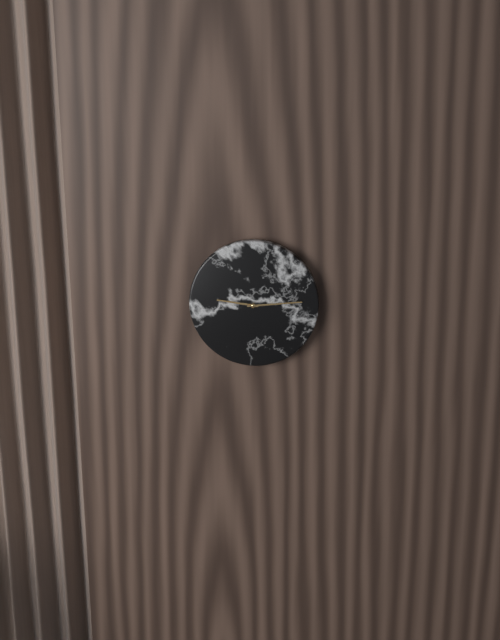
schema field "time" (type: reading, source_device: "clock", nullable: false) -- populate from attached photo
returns 9:14
